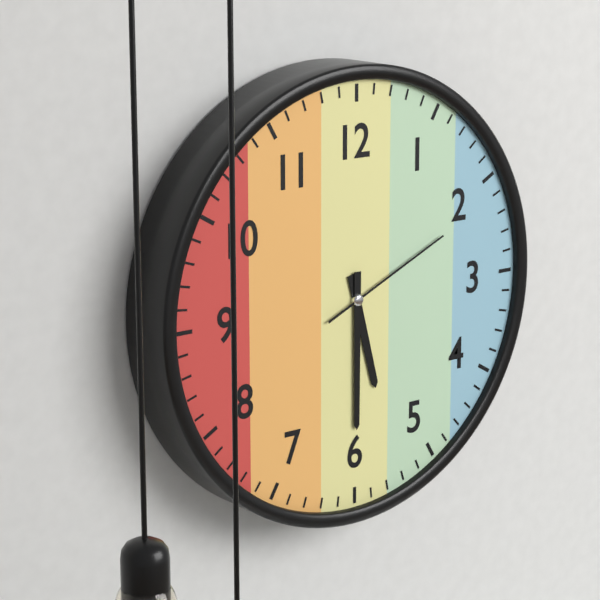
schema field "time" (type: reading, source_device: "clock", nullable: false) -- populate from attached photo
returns 5:30:11
